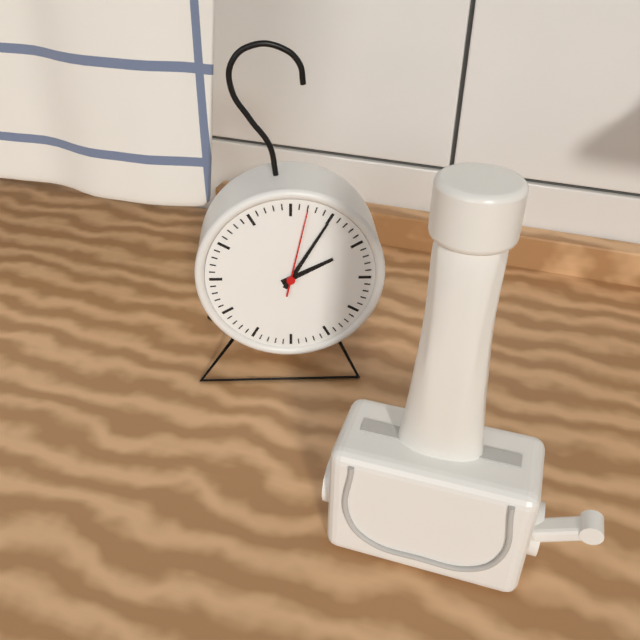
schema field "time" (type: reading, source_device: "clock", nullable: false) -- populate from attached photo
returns 2:05:02
